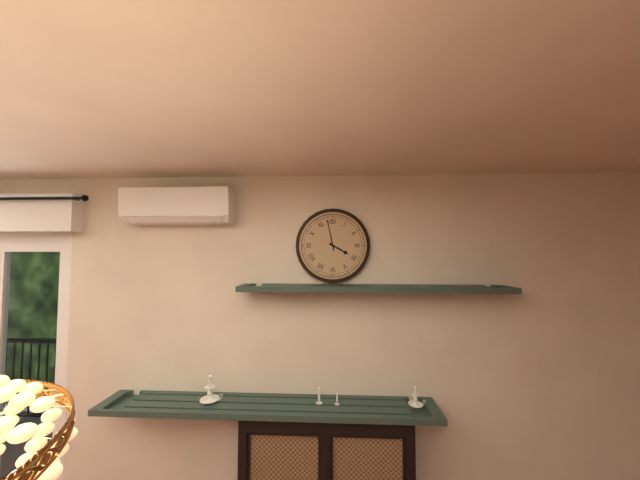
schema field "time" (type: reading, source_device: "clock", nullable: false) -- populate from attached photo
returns 3:58
